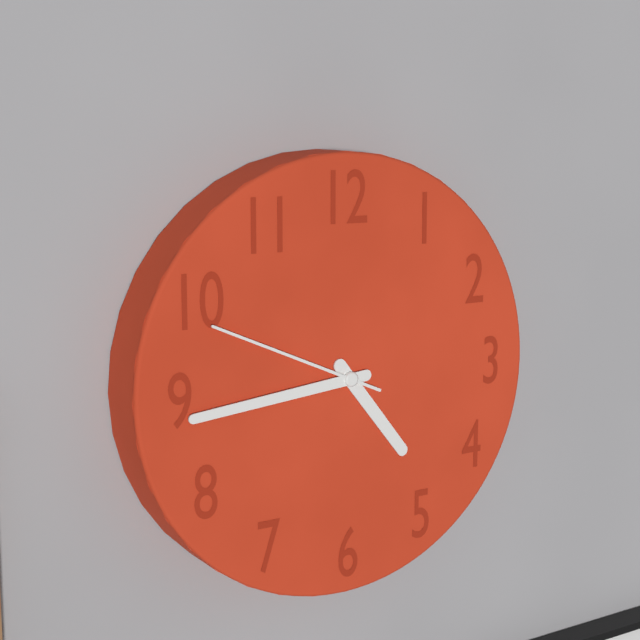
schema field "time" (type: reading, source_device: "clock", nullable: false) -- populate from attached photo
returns 4:44:49
